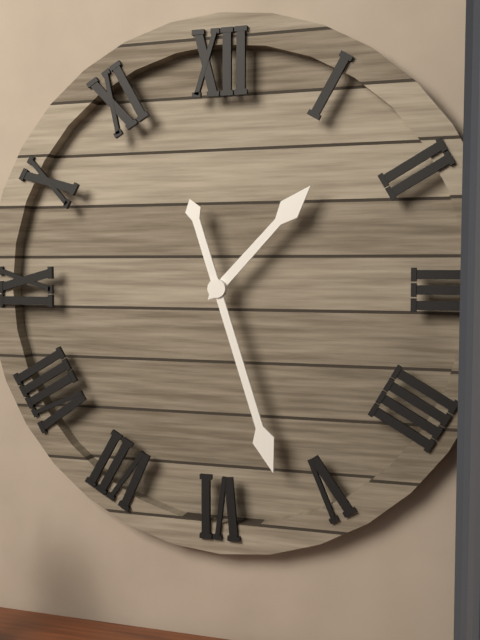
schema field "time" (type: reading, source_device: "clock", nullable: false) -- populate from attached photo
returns 1:27
